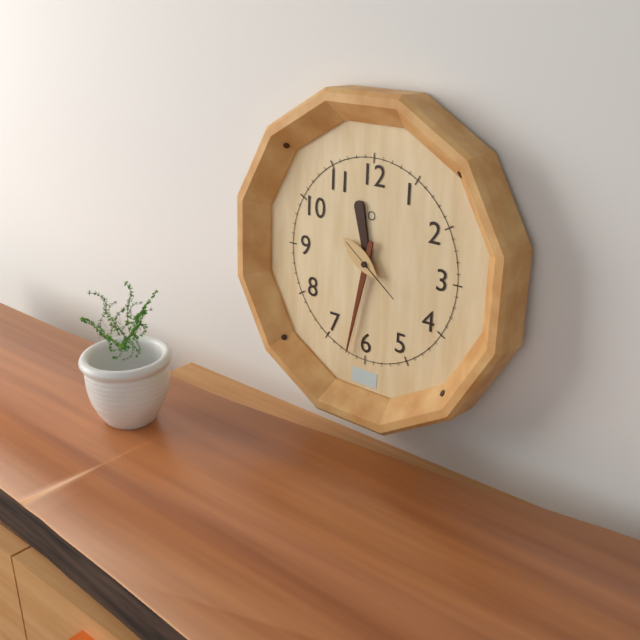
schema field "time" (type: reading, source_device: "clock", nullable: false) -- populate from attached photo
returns 11:32:21
